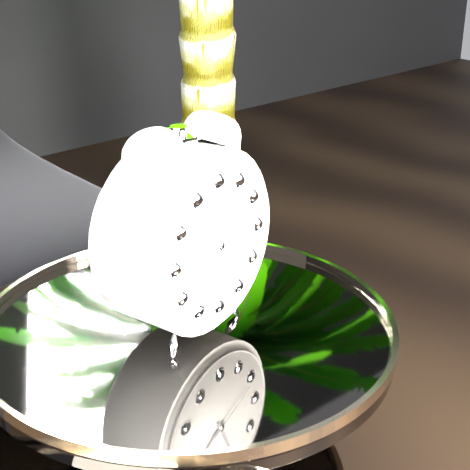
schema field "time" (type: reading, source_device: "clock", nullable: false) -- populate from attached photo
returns 10:04
